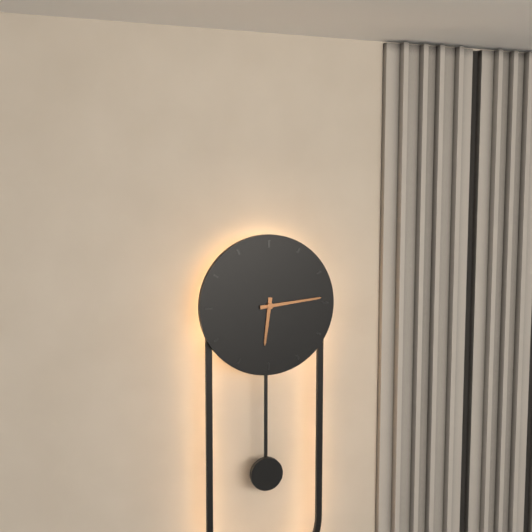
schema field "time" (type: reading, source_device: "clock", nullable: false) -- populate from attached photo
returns 6:14
